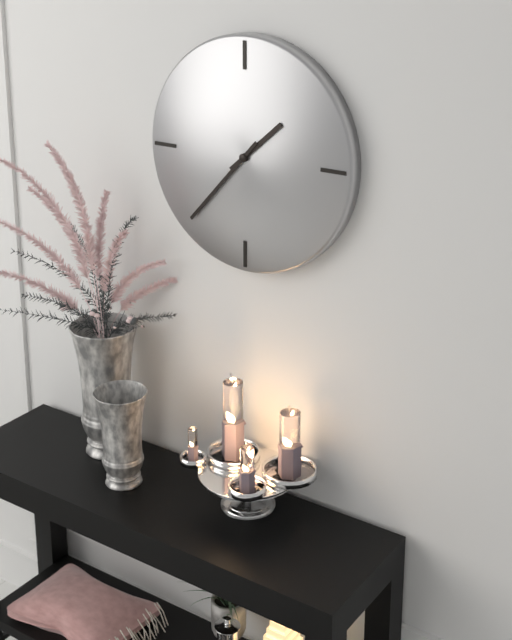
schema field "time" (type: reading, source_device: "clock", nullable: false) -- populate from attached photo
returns 1:37
